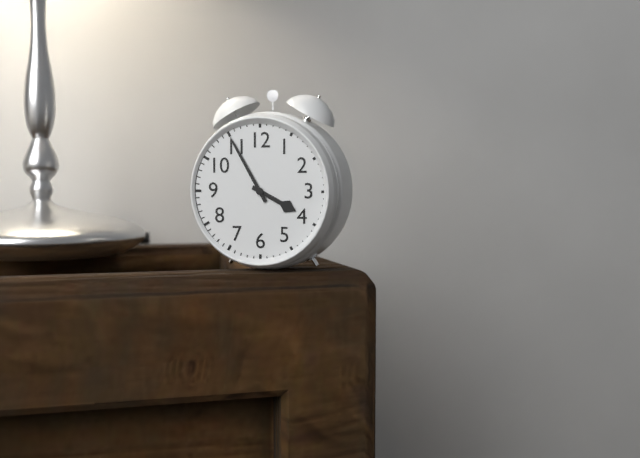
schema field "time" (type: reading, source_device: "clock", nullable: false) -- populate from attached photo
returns 3:55
